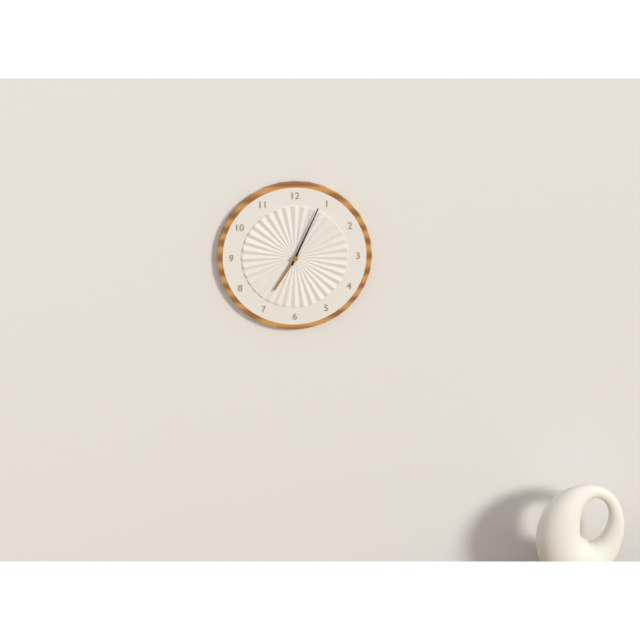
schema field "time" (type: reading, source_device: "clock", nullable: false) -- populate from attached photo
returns 7:04
